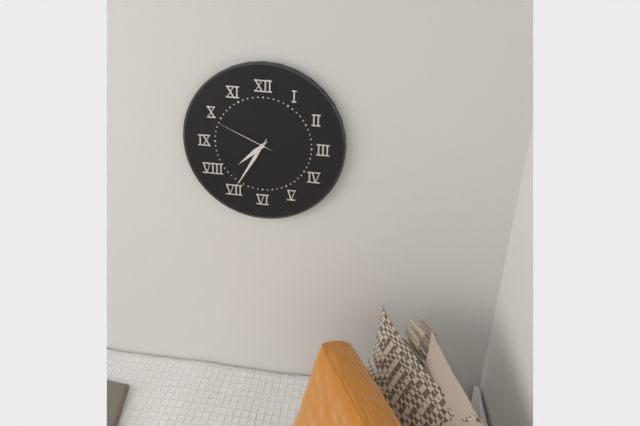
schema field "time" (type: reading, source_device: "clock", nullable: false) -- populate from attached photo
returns 7:35:49
